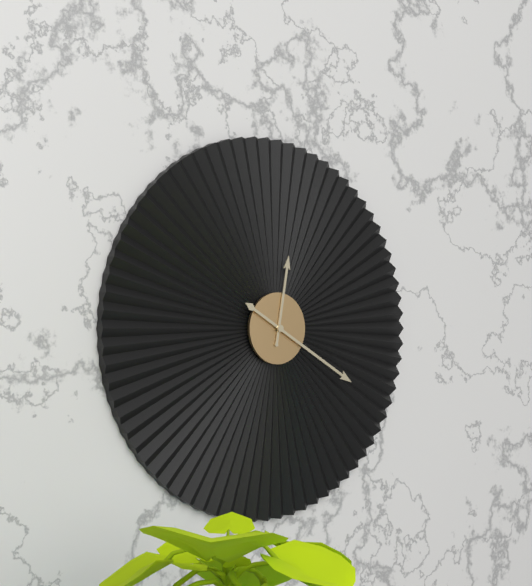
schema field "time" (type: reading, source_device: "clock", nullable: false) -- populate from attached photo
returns 12:20
